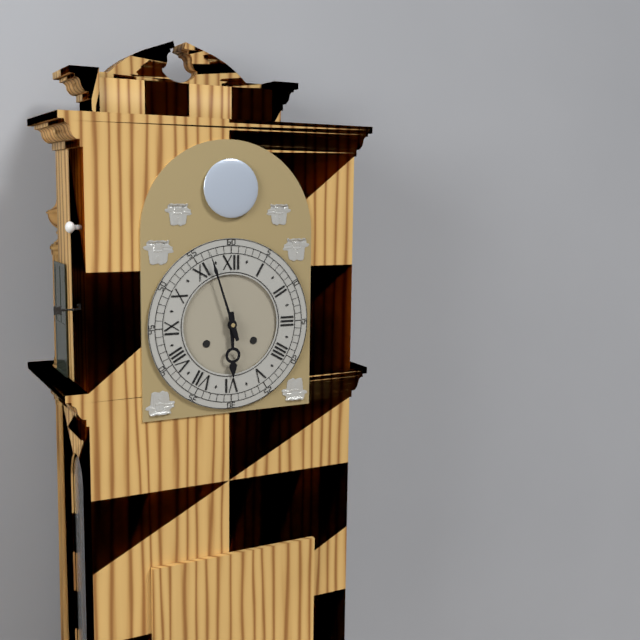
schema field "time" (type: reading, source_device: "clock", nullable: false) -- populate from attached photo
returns 5:57
